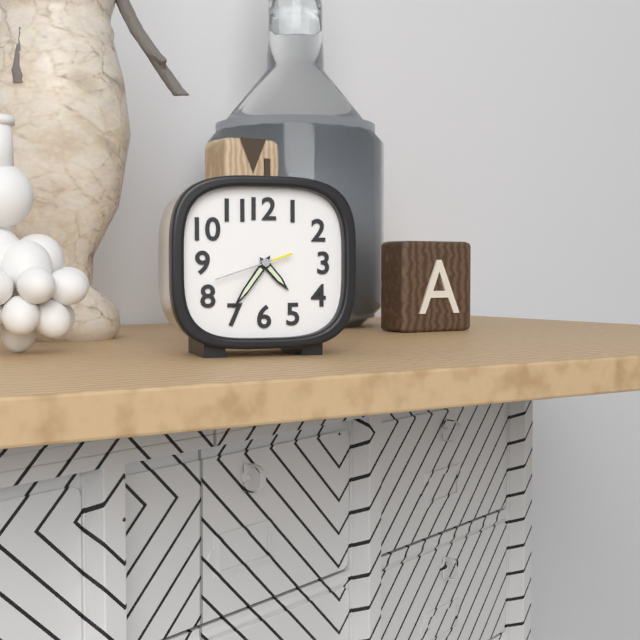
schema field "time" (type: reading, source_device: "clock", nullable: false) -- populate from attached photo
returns 4:36:42
